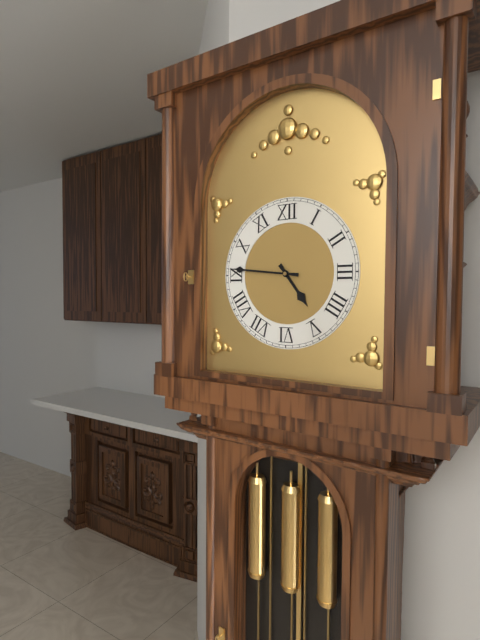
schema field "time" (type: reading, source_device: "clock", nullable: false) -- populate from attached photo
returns 4:46
